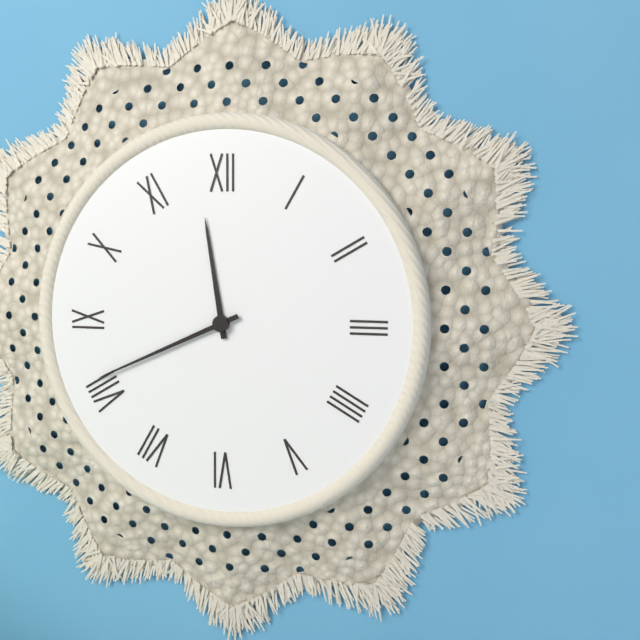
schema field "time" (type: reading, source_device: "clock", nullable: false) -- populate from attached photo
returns 11:41
